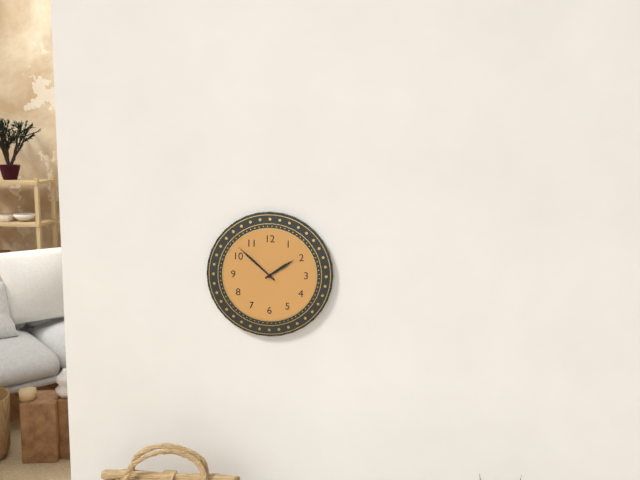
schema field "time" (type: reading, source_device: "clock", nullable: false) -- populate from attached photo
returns 1:52
